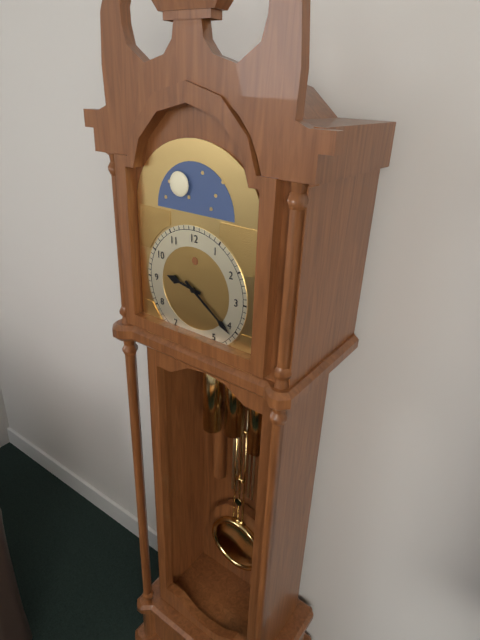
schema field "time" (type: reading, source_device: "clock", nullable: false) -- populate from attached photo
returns 9:21
